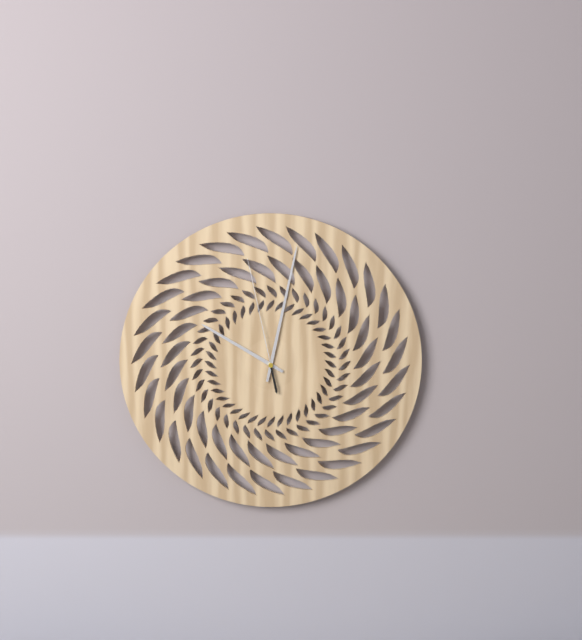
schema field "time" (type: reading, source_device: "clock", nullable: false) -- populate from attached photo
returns 10:02:58
